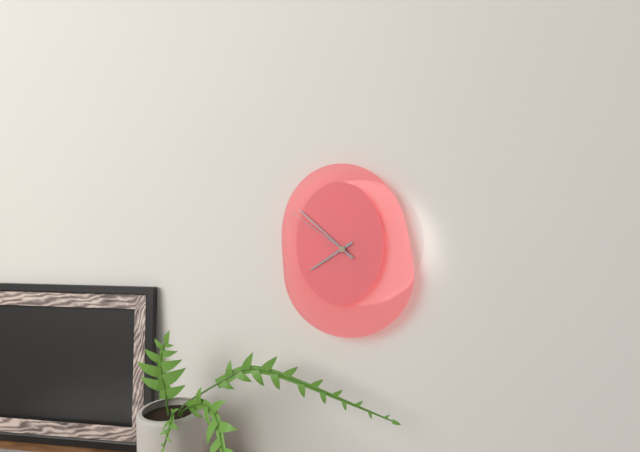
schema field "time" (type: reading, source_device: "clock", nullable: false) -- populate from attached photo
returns 7:52:51
